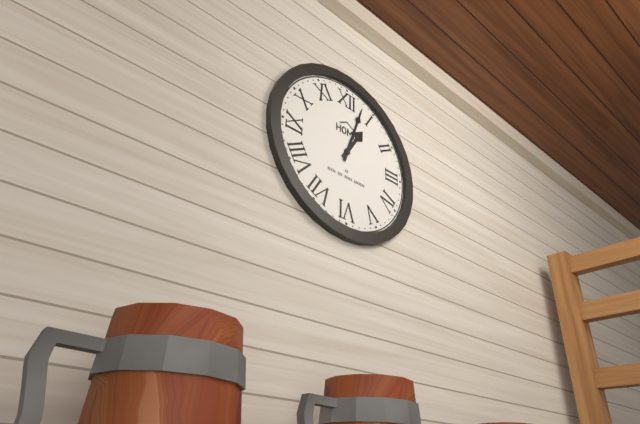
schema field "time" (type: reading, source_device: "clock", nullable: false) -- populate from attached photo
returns 1:03
